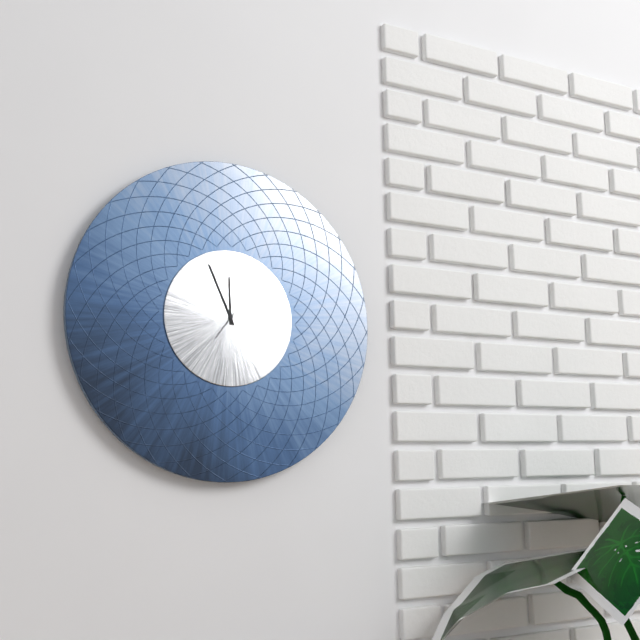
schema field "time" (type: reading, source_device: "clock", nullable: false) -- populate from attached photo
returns 11:56
